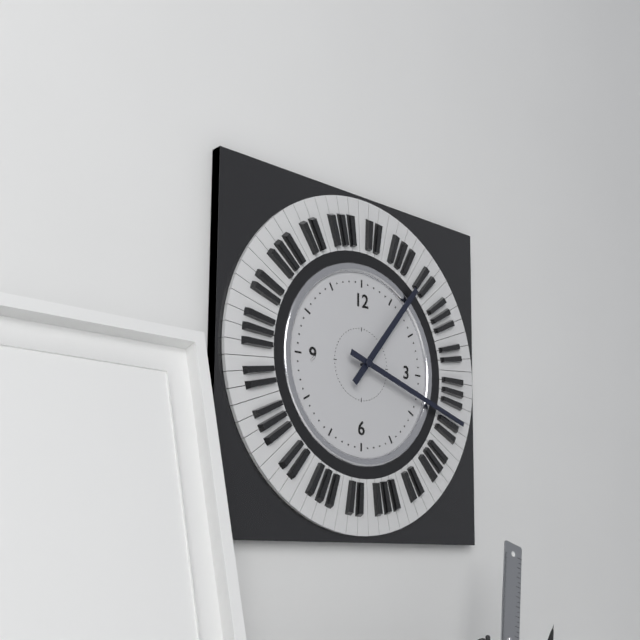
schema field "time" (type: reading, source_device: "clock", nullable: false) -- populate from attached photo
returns 1:18
